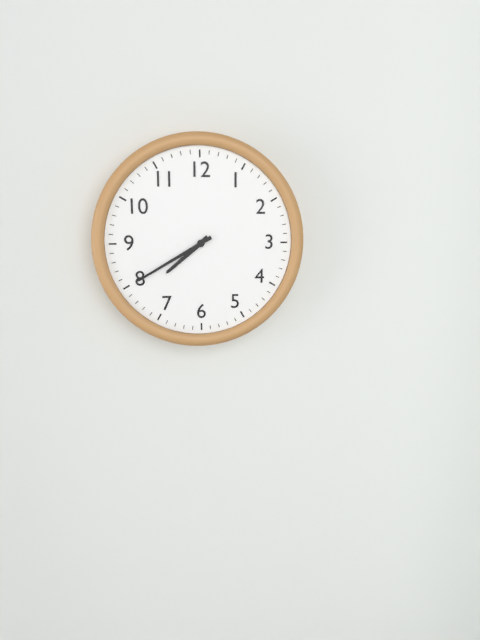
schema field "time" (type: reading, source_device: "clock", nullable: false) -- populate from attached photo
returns 7:40
